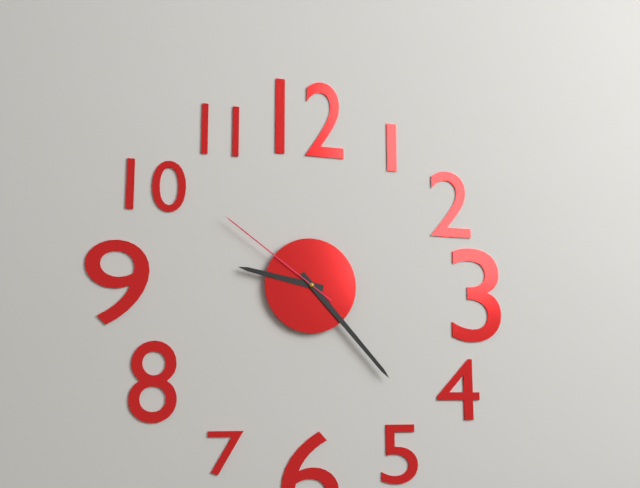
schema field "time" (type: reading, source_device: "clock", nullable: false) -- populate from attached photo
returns 9:23:51
